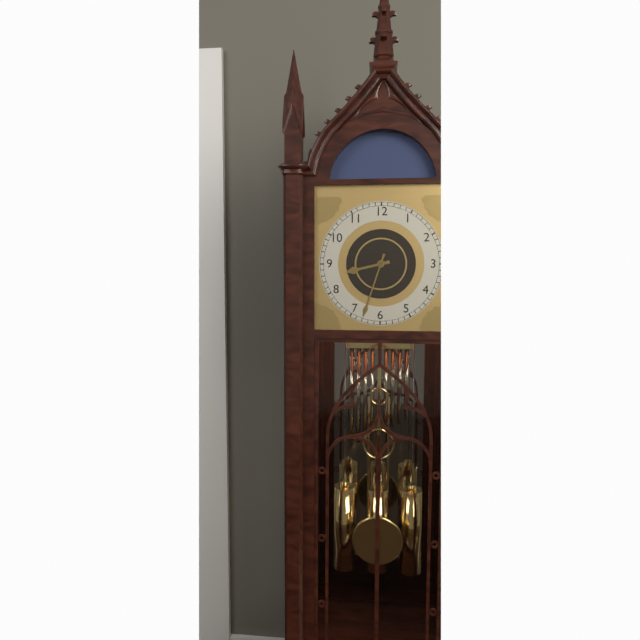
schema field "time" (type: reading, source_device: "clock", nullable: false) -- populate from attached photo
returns 8:33
